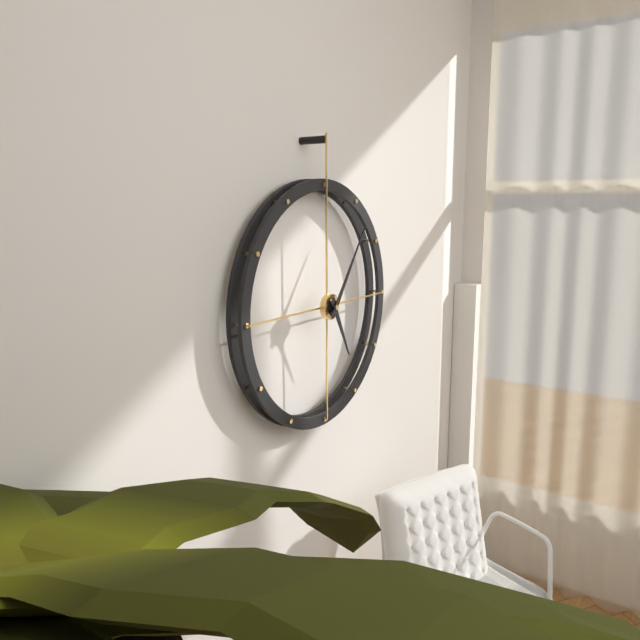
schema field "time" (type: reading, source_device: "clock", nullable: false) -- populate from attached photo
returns 5:06
